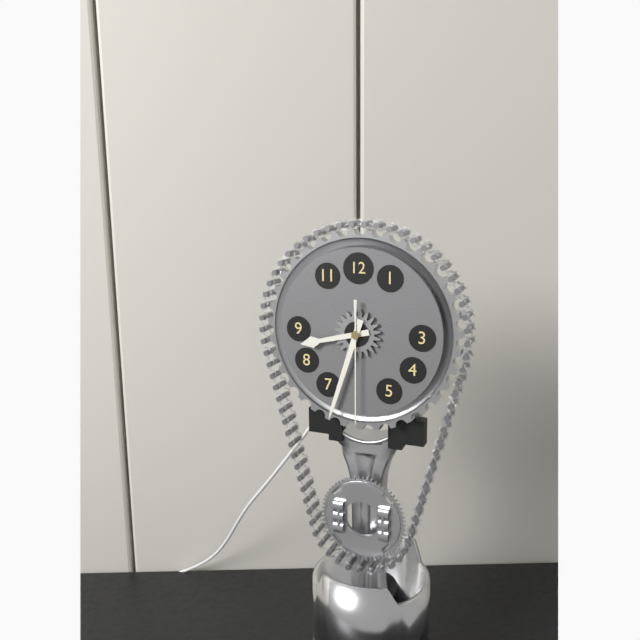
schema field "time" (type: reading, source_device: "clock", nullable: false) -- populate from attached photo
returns 8:33:30
